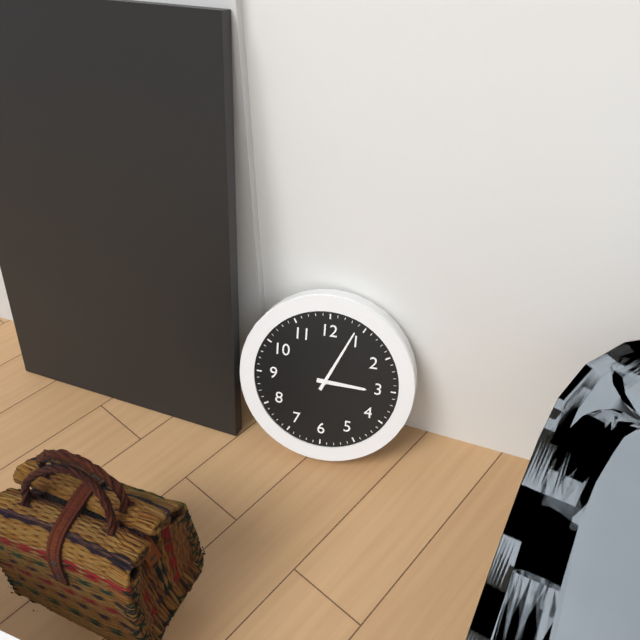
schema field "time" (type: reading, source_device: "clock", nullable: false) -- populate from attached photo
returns 3:04
